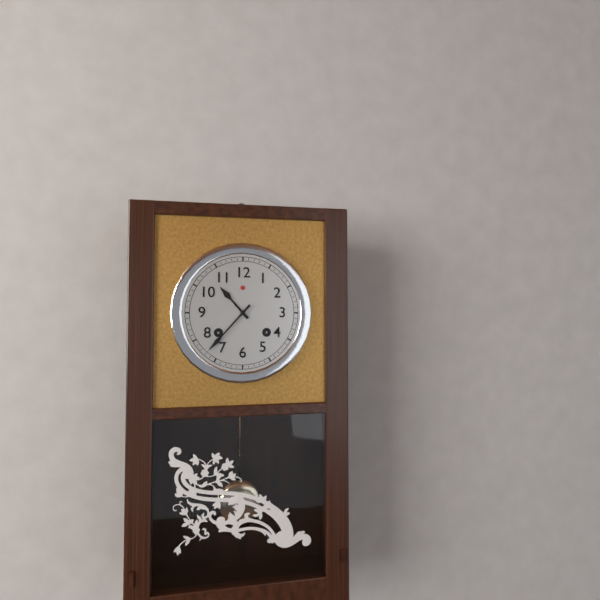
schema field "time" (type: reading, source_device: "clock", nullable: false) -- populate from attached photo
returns 10:37
